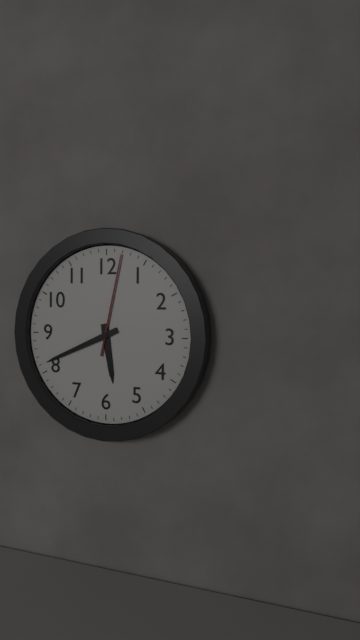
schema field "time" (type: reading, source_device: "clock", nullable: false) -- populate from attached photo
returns 5:41:02
